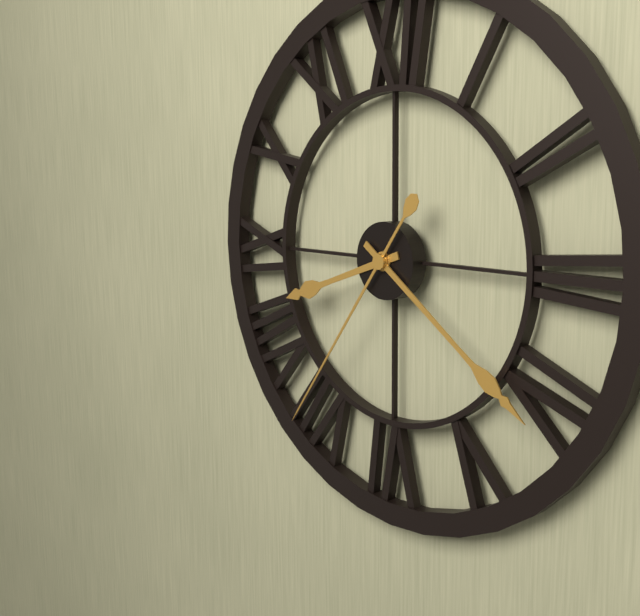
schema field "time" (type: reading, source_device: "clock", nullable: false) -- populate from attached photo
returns 8:21:36
